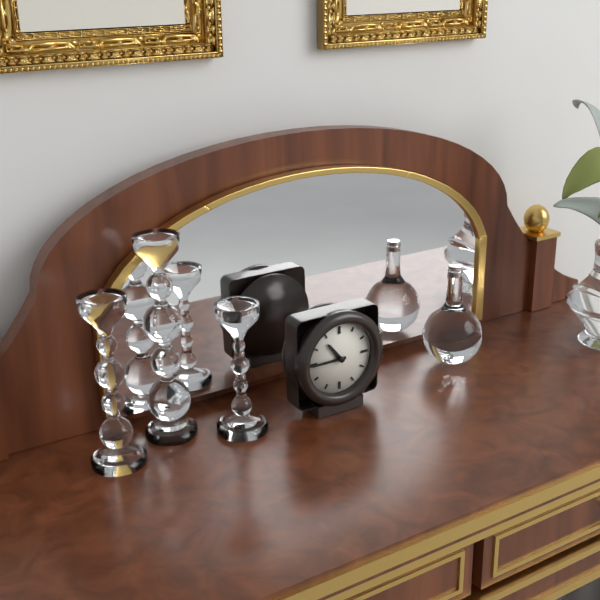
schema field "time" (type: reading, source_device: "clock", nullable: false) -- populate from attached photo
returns 10:45
